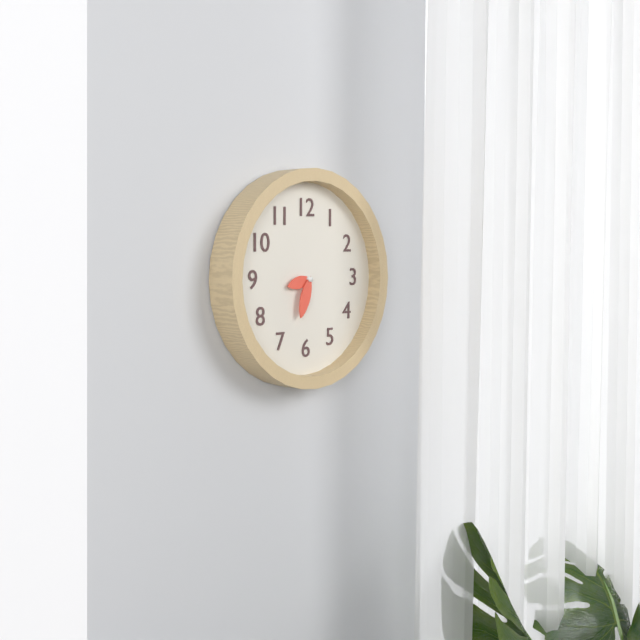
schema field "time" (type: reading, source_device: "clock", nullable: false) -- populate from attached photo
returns 8:33
